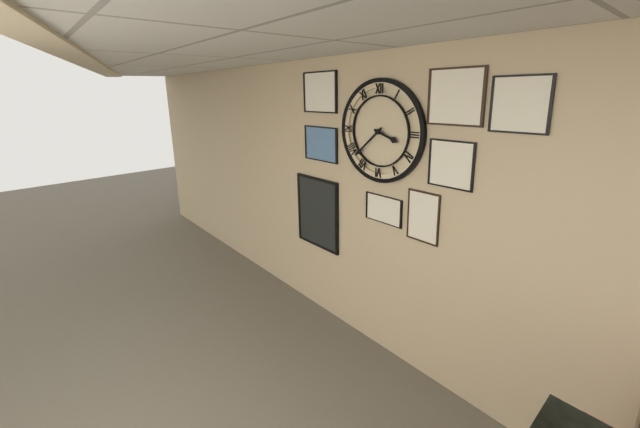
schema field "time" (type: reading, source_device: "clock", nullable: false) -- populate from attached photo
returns 3:38
